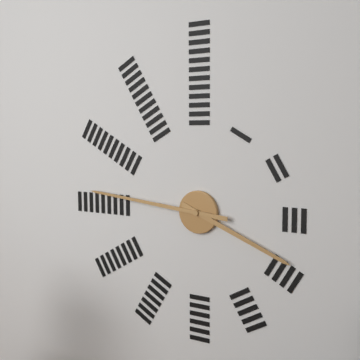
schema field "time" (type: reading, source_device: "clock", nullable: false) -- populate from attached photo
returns 3:46
